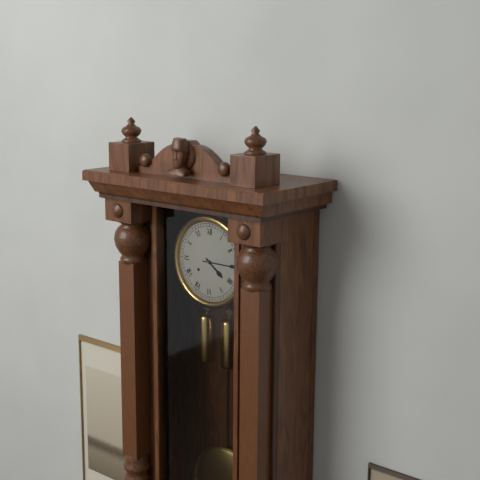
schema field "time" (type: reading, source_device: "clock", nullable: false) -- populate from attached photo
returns 4:15
